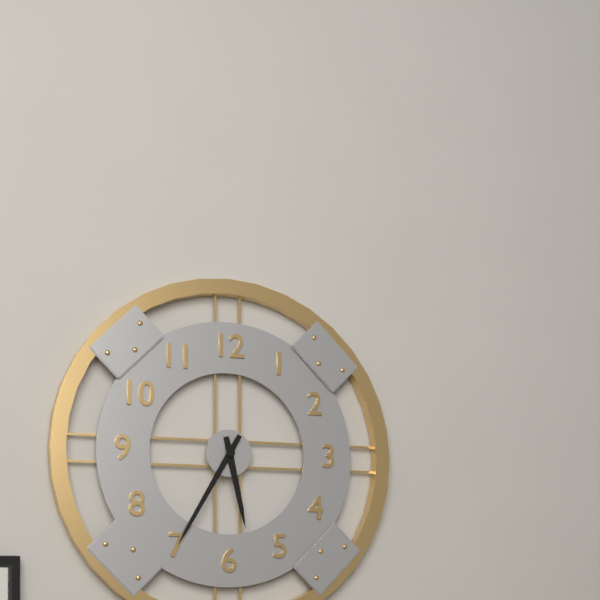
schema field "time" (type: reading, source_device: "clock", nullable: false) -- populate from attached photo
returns 5:35
